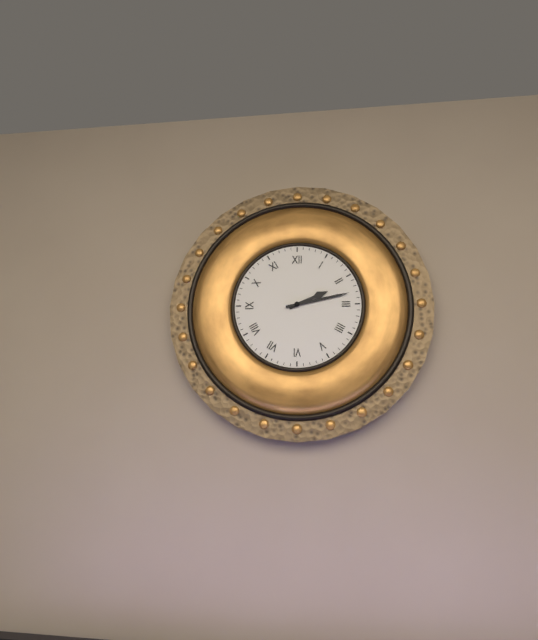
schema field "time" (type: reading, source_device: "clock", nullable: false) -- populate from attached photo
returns 2:13
